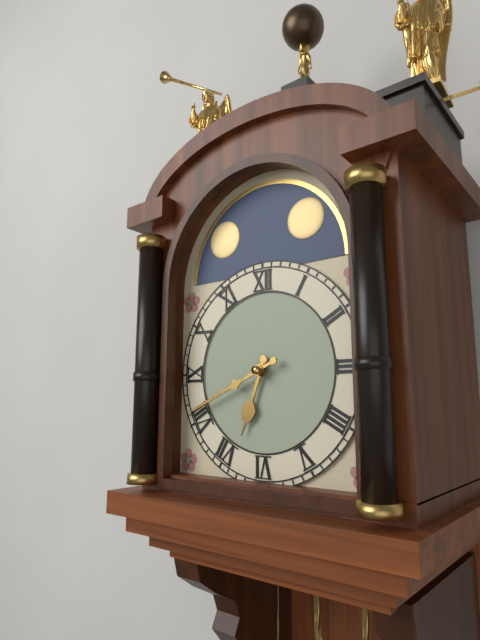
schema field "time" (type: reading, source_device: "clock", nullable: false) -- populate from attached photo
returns 6:41
